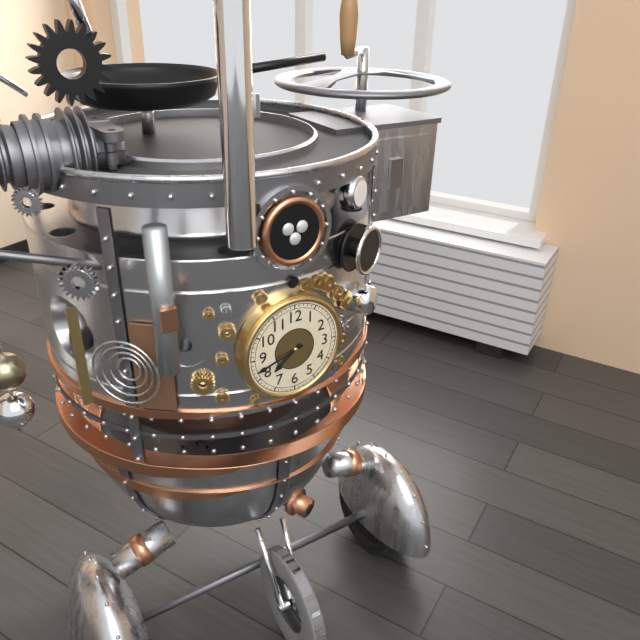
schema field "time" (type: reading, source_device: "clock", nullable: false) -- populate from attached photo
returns 7:42
